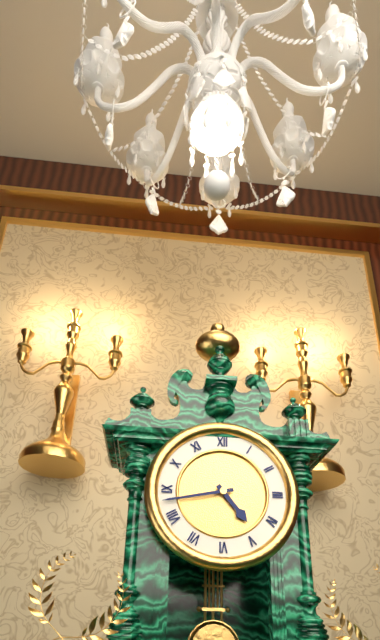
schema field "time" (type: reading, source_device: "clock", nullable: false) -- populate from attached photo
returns 4:43
